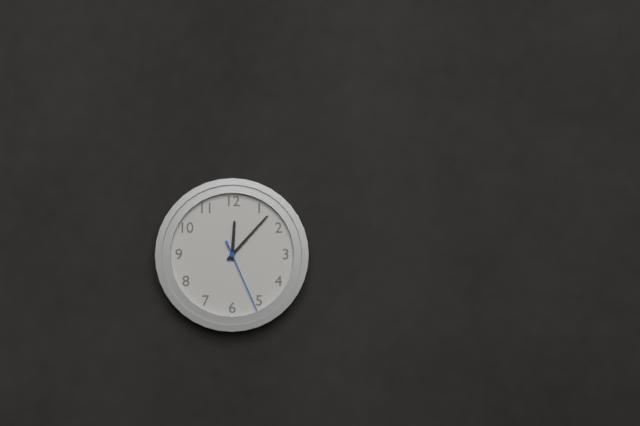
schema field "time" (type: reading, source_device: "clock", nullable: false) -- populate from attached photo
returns 12:07:26
